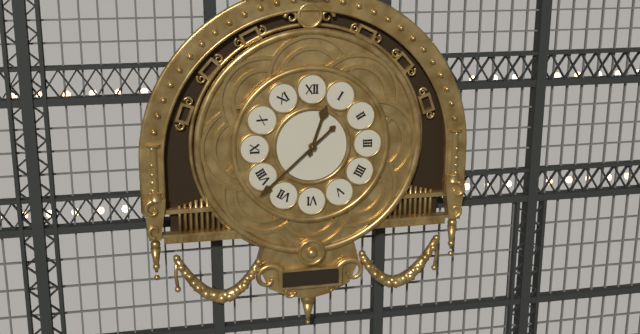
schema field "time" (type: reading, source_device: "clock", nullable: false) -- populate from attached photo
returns 12:38
